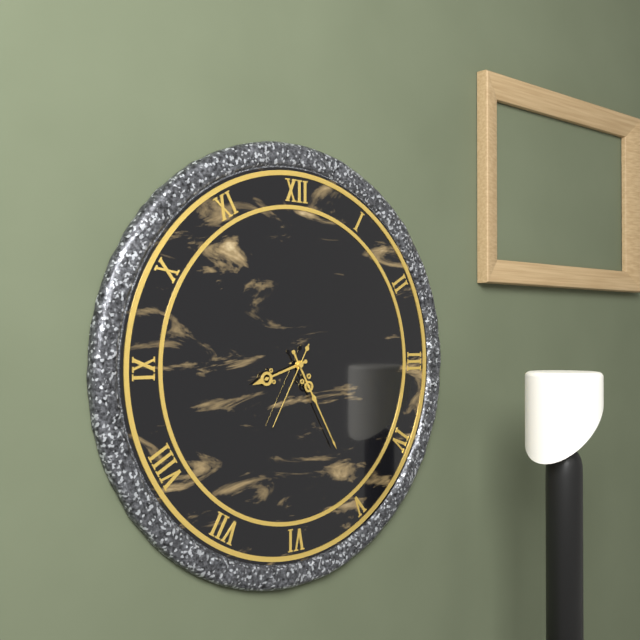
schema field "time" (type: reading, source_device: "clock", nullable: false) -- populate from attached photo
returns 8:25:35
